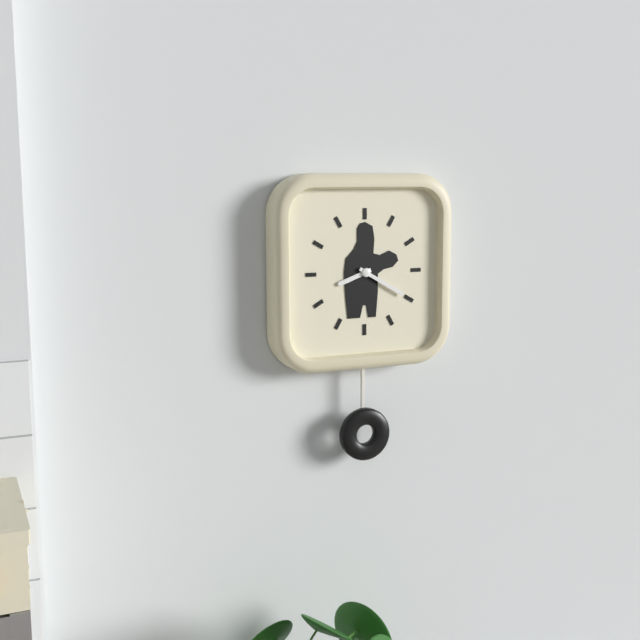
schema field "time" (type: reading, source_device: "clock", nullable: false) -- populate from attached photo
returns 8:20
